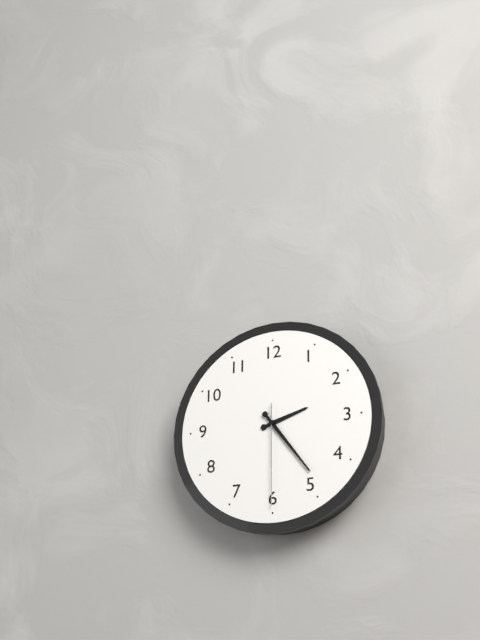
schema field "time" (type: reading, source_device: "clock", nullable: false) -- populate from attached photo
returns 2:24:30
